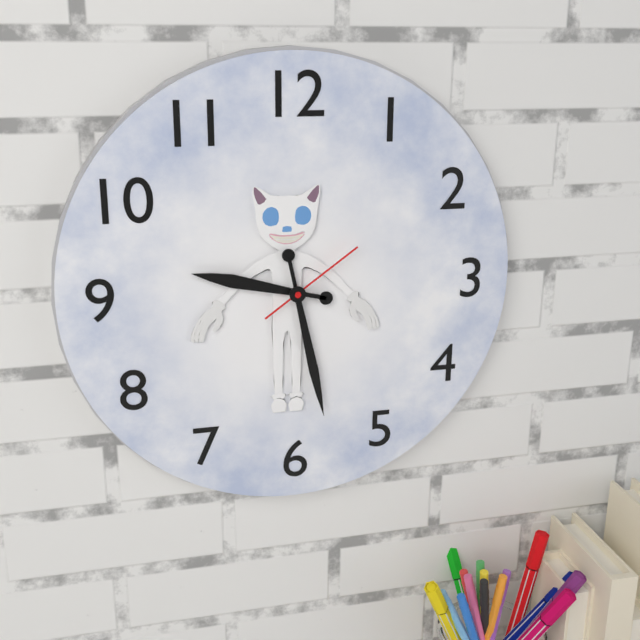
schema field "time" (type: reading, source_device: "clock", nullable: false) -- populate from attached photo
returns 9:28:09
